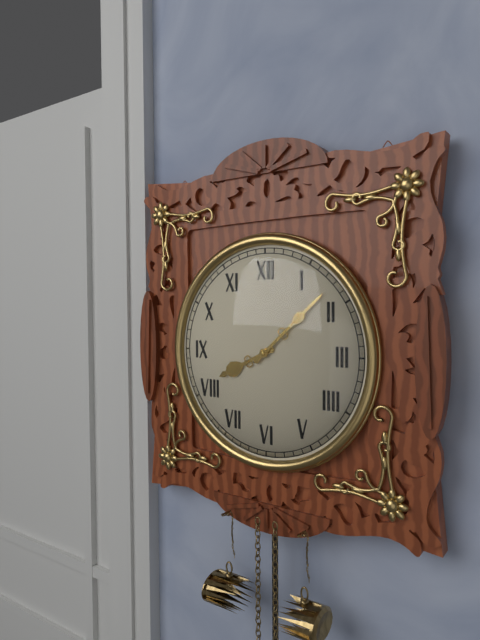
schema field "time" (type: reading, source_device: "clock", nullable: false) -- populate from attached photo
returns 8:08
